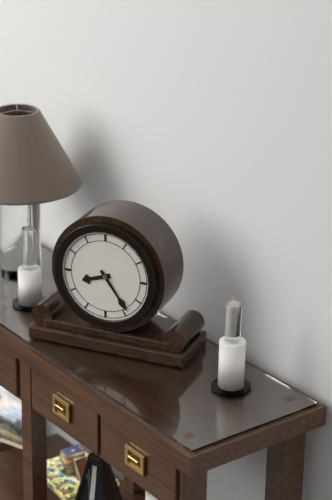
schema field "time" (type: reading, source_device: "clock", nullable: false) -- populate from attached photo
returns 8:24
